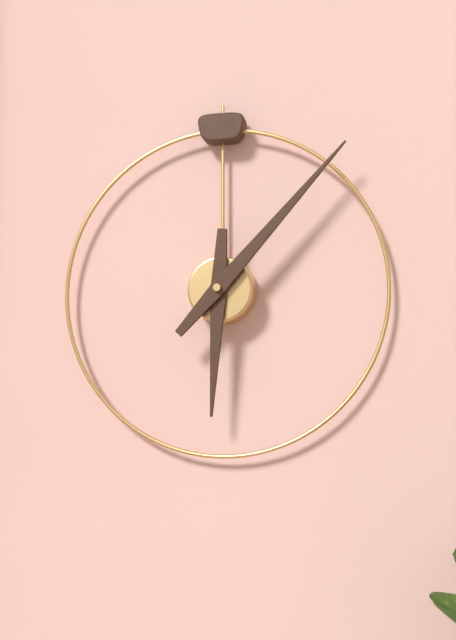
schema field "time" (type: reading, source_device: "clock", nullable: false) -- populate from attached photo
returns 6:07
